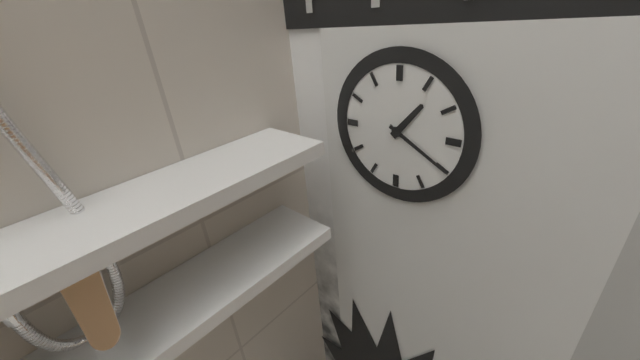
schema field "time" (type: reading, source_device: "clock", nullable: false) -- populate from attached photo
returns 1:20
